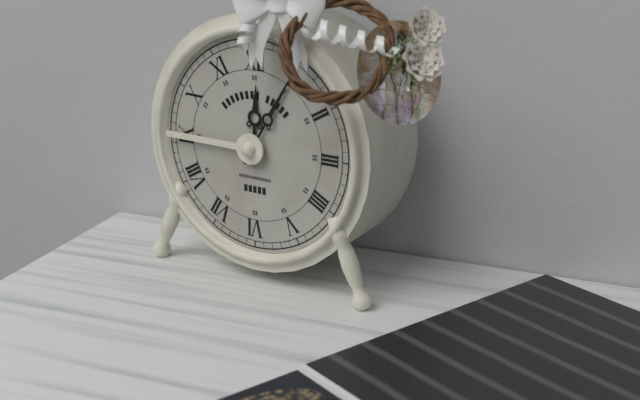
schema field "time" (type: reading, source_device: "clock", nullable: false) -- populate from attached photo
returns 12:05
